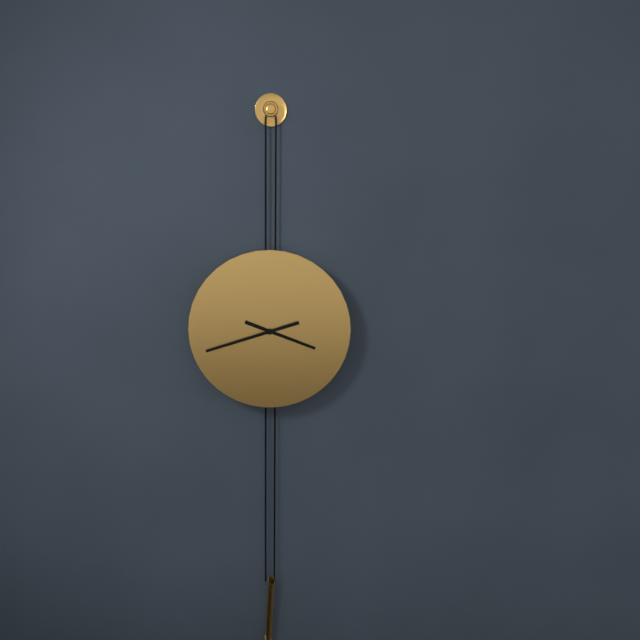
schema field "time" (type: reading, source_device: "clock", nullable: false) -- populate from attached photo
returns 3:42
